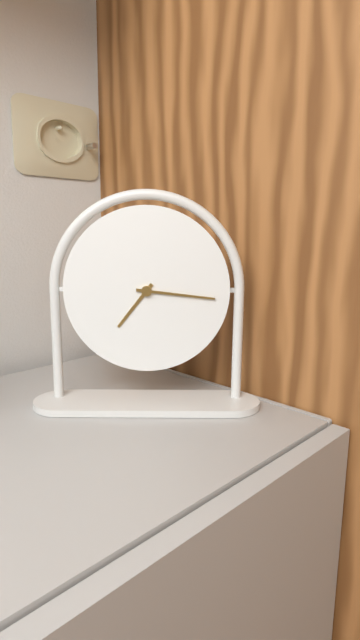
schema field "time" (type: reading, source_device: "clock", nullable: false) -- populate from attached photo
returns 7:16
